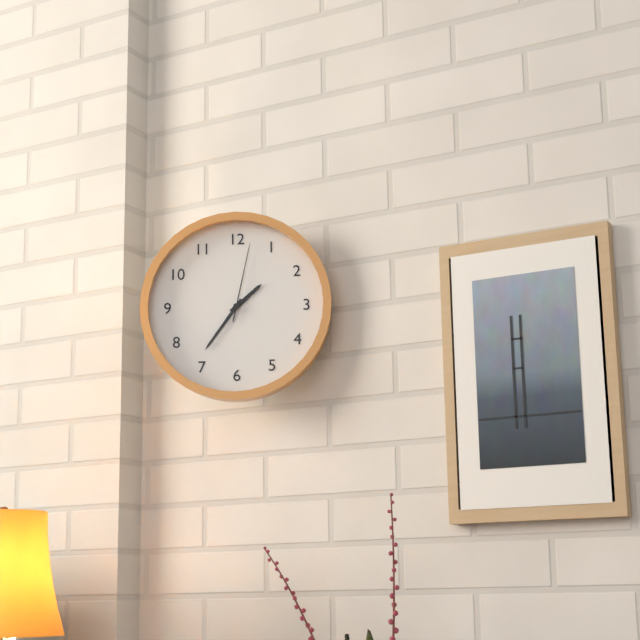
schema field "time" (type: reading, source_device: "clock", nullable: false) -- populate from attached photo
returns 1:36:02
